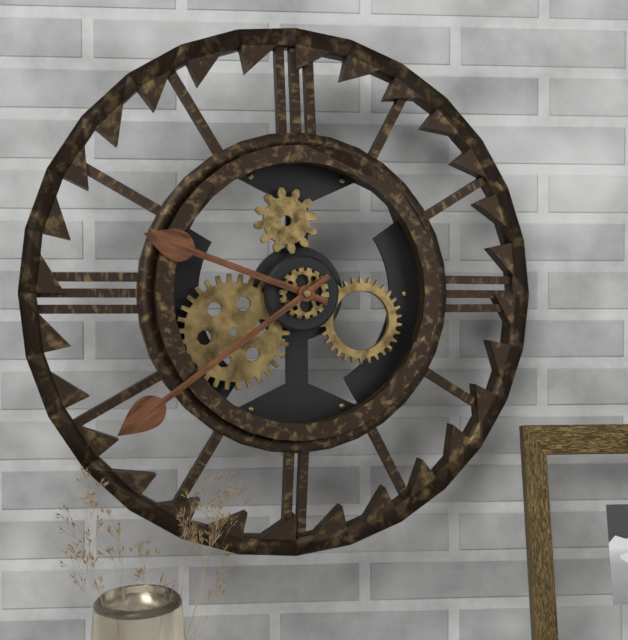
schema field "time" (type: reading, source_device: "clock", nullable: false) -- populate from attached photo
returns 9:39
